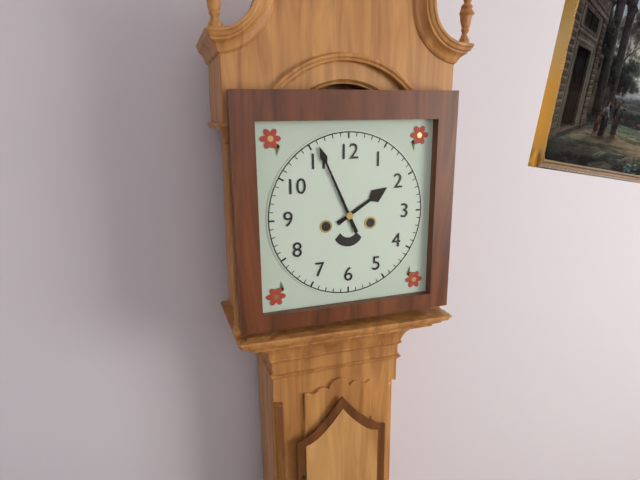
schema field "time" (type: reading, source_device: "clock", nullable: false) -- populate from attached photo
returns 1:56
